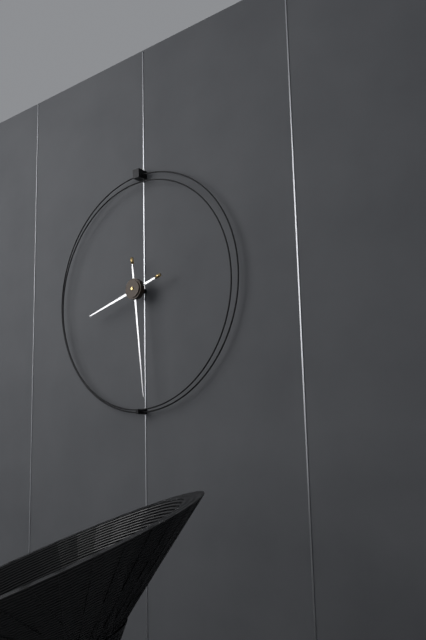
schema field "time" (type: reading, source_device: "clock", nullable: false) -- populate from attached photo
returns 8:29
